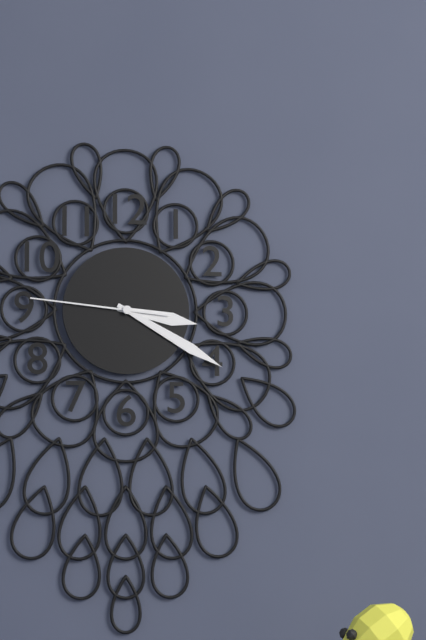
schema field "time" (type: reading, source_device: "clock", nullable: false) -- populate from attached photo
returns 3:20:46
